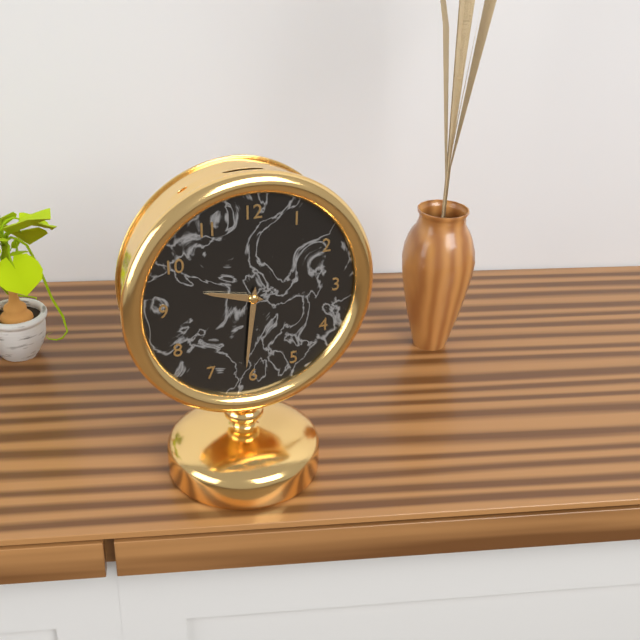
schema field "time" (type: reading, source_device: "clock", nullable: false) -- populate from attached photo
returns 9:31
